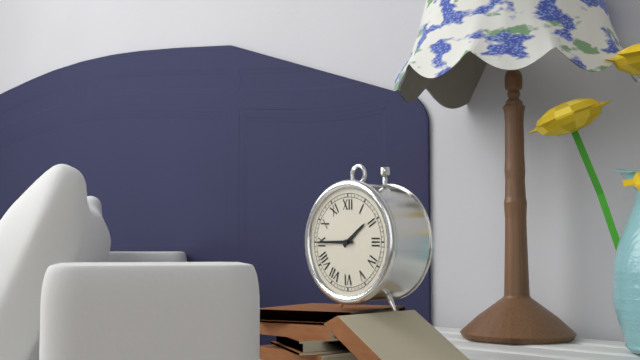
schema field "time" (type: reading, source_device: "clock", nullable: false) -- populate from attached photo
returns 1:45
